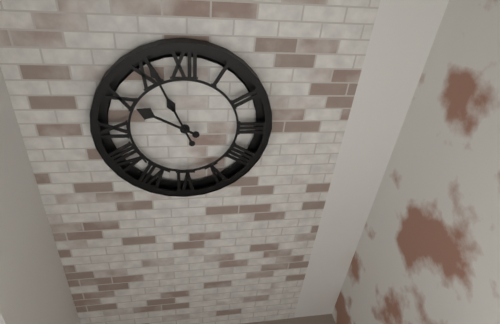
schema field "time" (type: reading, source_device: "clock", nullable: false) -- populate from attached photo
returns 9:56
